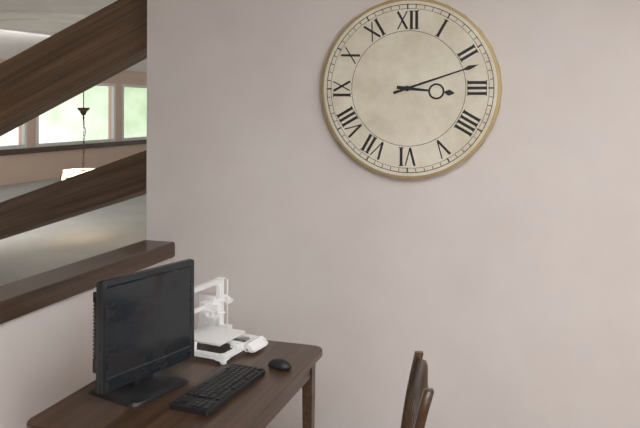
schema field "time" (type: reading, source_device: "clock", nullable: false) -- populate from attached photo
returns 3:12
